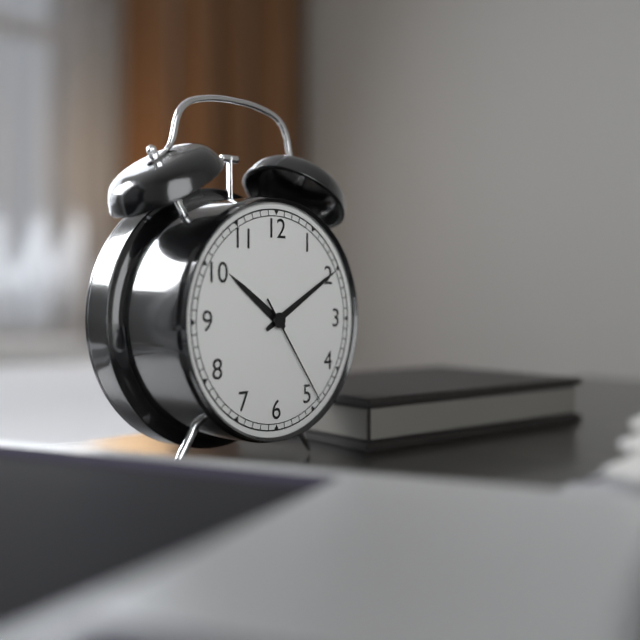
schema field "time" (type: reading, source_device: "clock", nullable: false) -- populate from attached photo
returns 10:10:24
